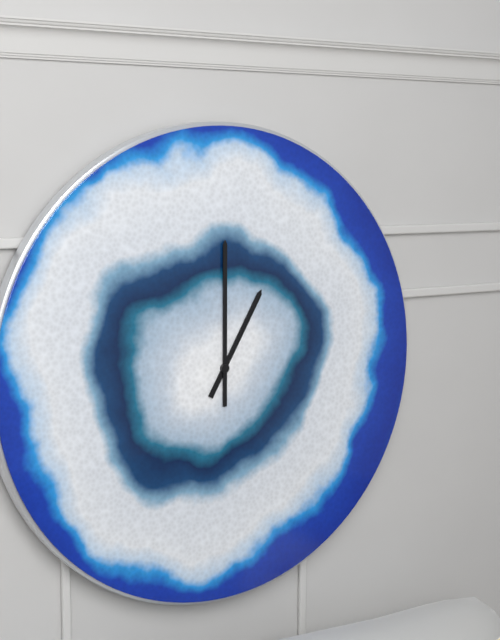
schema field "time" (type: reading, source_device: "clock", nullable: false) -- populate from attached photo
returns 1:00
